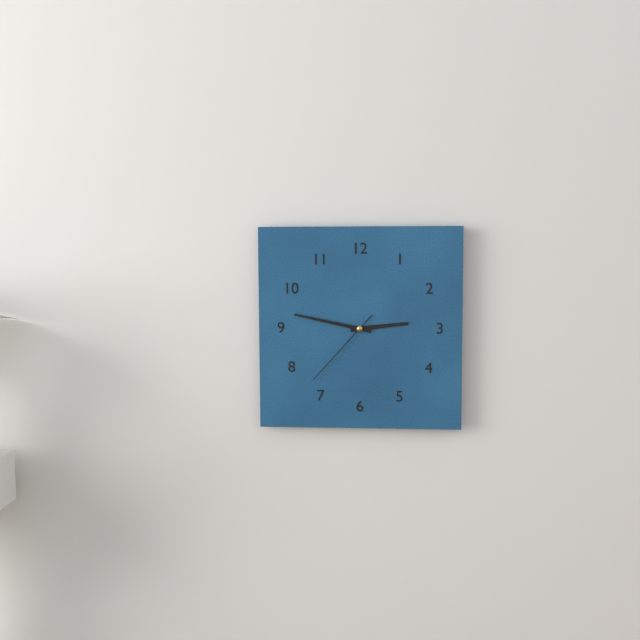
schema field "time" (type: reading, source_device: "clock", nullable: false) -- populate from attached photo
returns 2:47:37
